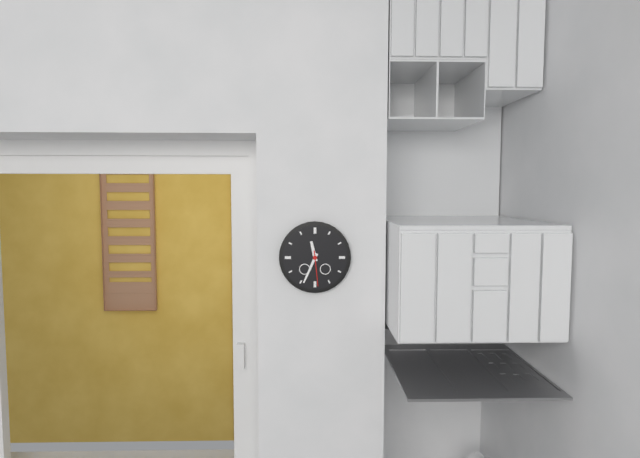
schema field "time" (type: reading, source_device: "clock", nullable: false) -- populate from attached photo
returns 11:34
